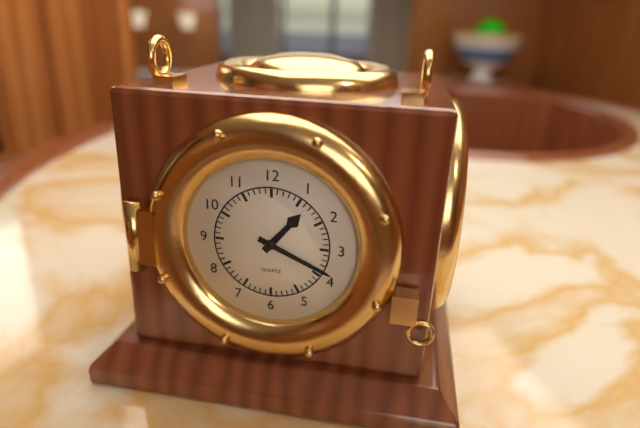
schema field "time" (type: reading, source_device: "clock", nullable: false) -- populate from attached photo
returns 1:19
